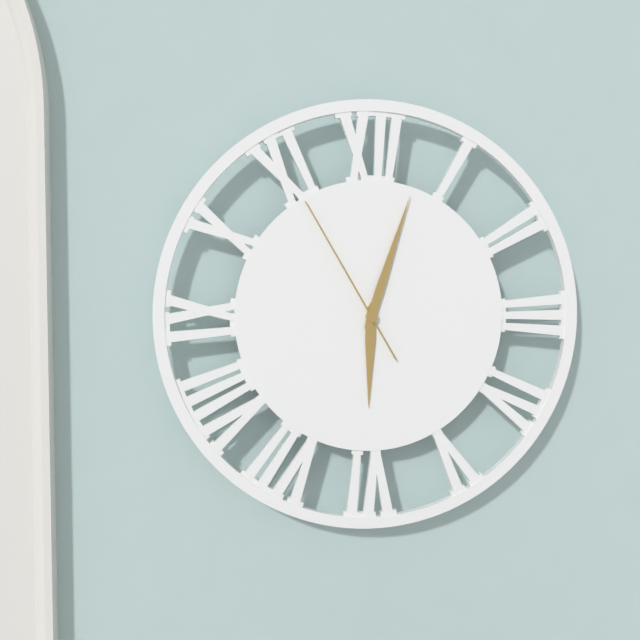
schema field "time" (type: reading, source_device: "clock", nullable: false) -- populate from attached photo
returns 6:03:55
